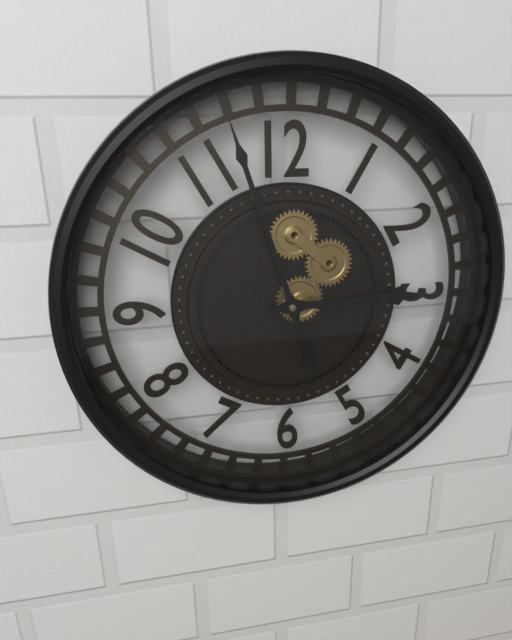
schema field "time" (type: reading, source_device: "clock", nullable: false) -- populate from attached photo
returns 2:57
